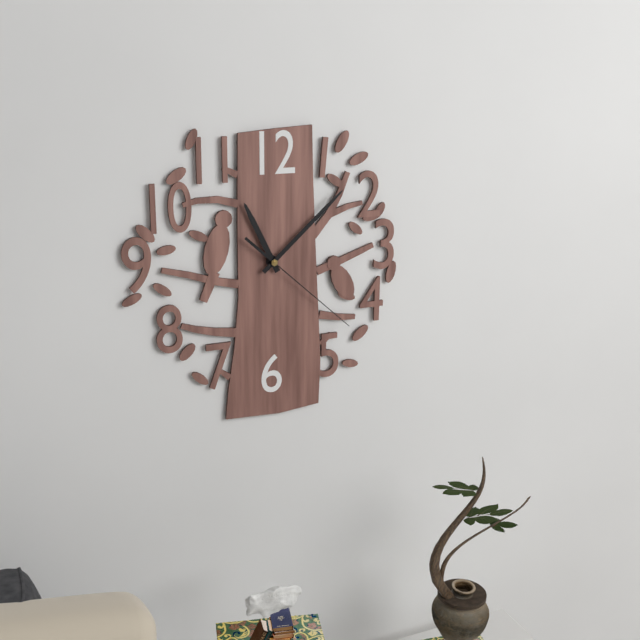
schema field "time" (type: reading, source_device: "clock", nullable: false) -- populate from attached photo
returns 11:08:22
